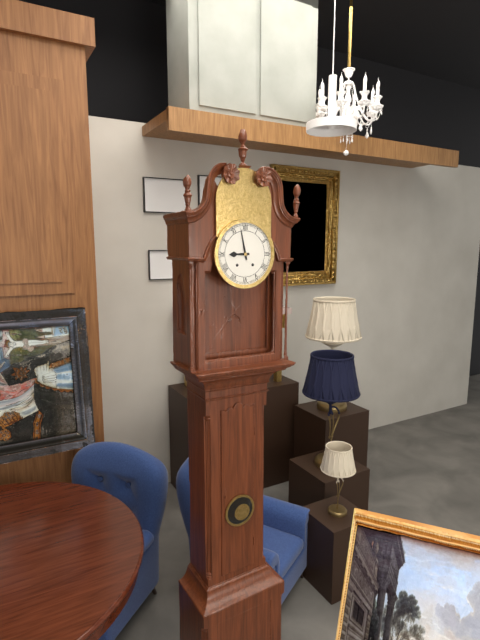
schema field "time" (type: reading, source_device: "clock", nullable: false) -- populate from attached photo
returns 8:58
